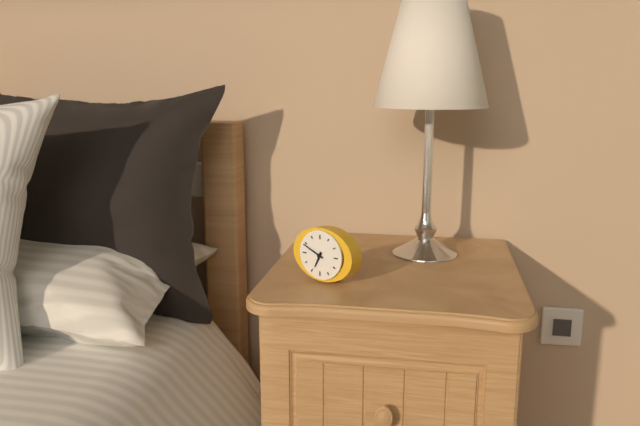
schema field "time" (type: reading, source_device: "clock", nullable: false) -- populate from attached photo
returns 6:49
